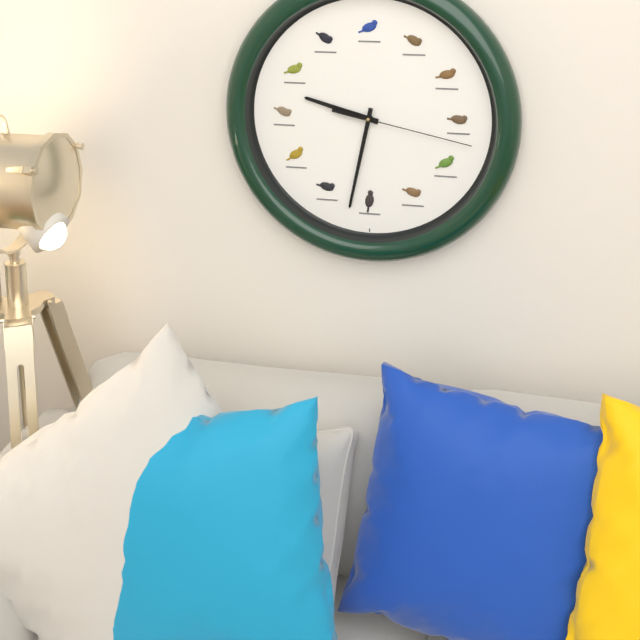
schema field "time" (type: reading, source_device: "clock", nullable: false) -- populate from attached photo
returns 9:32:17
